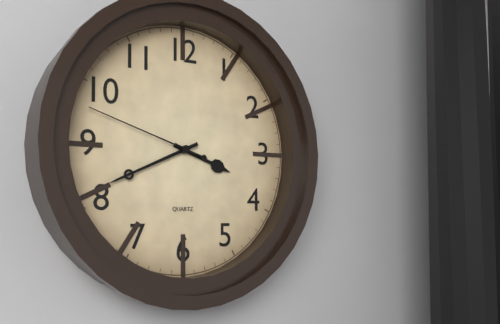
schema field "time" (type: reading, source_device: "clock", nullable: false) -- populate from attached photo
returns 3:41:48
